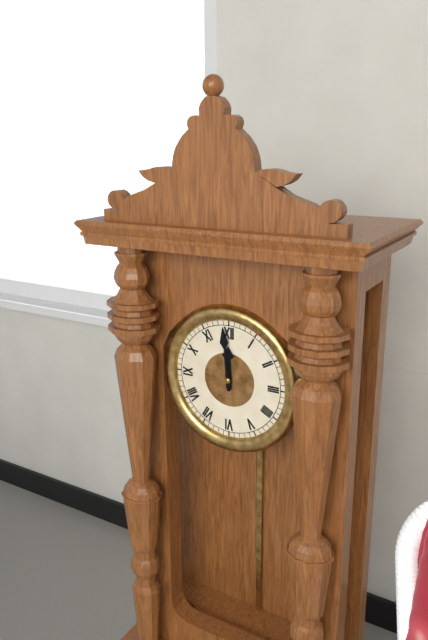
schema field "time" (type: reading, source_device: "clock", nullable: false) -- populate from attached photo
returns 11:59
